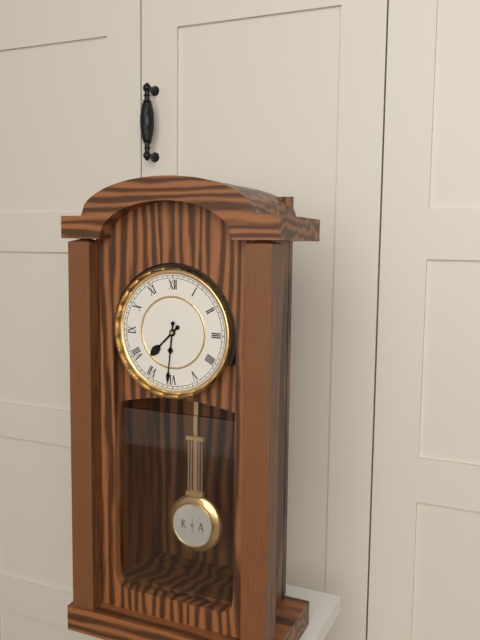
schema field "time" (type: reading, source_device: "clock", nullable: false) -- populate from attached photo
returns 7:31
